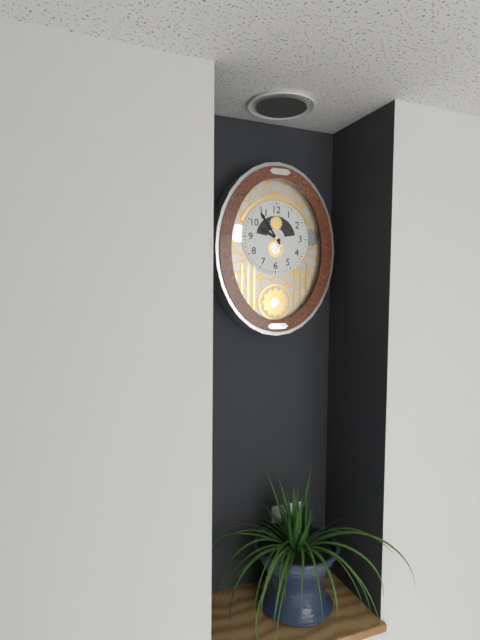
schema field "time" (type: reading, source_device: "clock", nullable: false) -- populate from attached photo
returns 9:54
